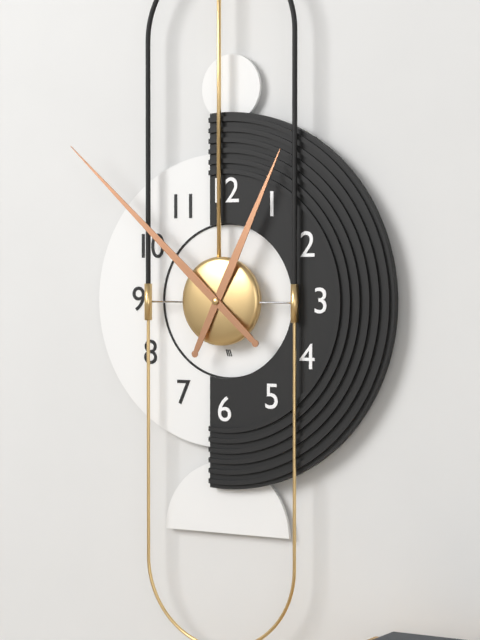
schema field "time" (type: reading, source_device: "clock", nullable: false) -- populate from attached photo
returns 12:52
